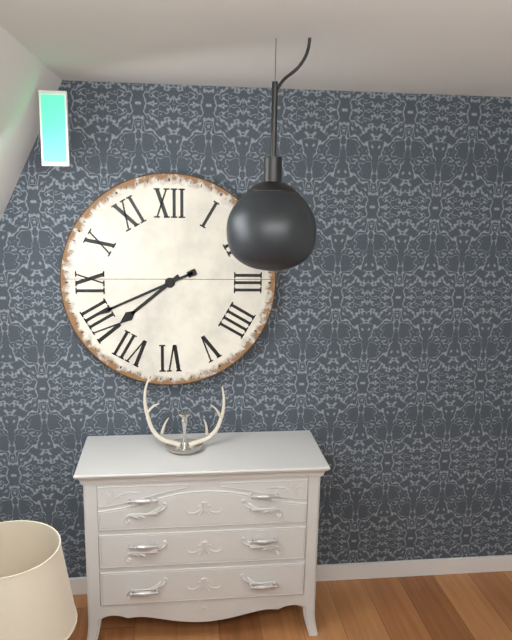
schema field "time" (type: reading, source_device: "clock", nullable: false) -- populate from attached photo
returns 7:41
